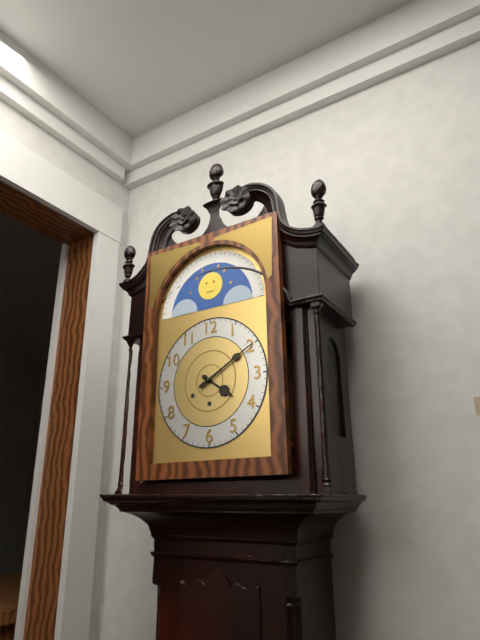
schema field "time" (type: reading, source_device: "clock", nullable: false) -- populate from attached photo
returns 4:10
